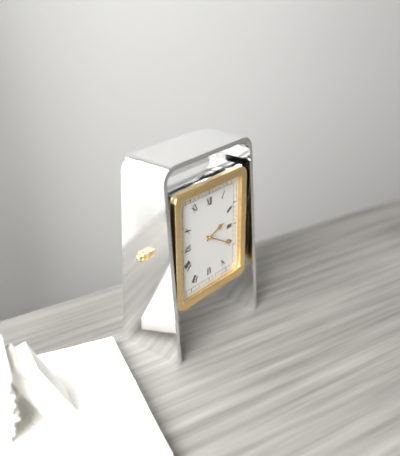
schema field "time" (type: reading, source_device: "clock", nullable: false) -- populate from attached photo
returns 2:20
